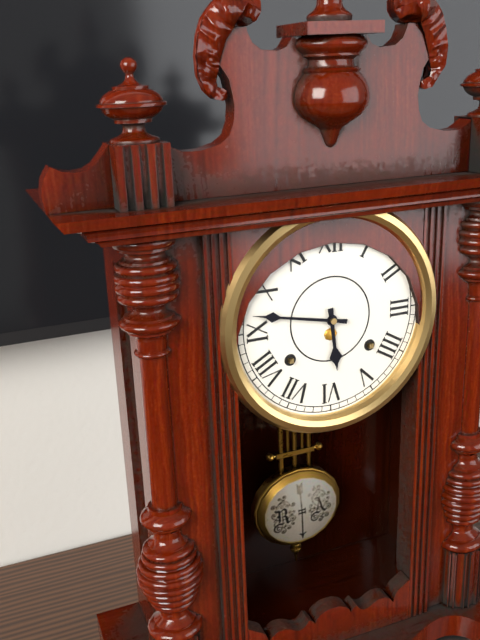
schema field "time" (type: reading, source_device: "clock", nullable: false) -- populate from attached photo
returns 5:47
